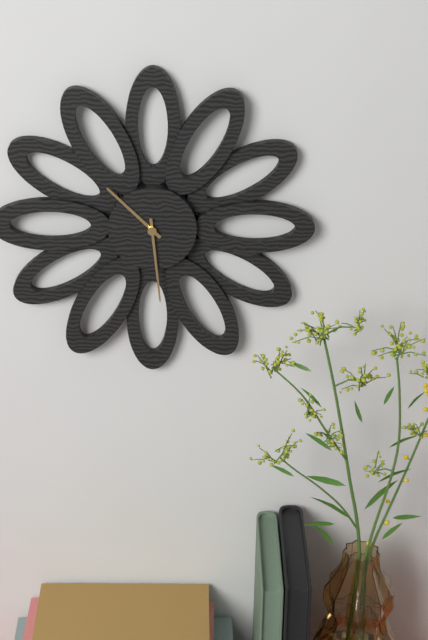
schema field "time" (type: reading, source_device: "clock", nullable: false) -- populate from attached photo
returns 10:29
